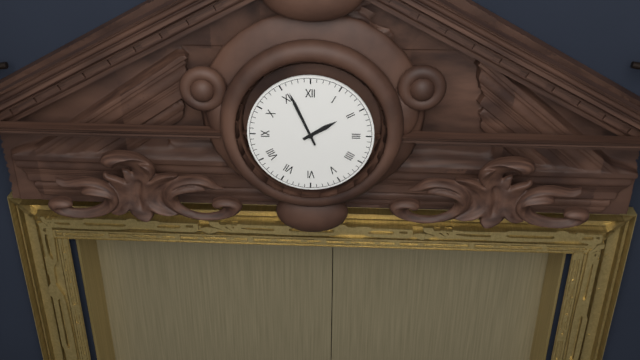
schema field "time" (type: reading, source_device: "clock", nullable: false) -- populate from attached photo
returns 1:56
